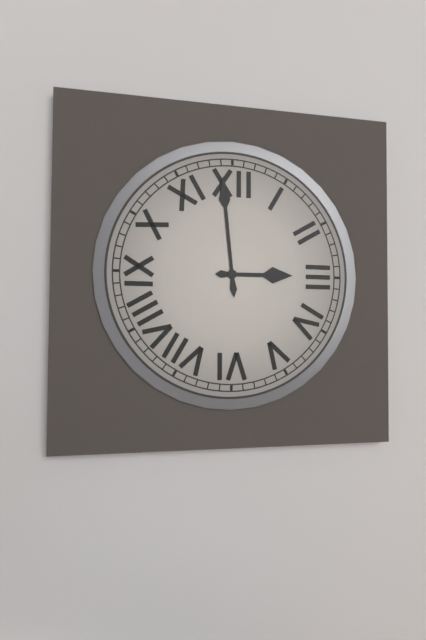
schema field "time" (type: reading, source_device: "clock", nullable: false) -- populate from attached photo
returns 2:59
